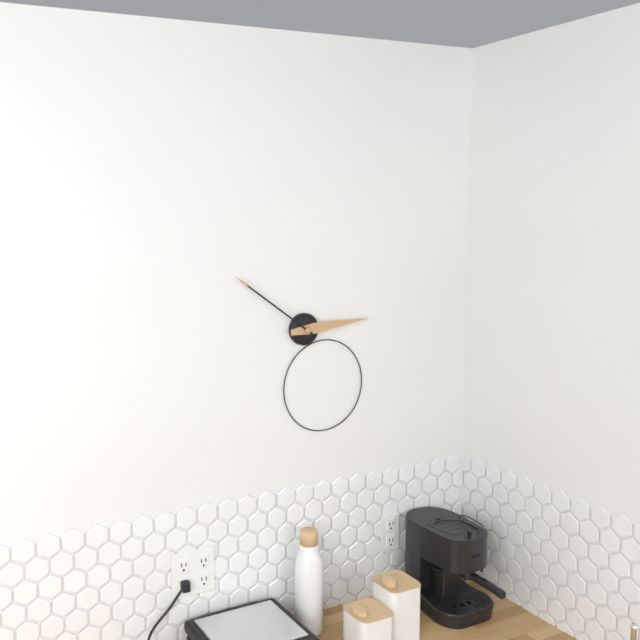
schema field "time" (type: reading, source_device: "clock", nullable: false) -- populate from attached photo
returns 2:51
